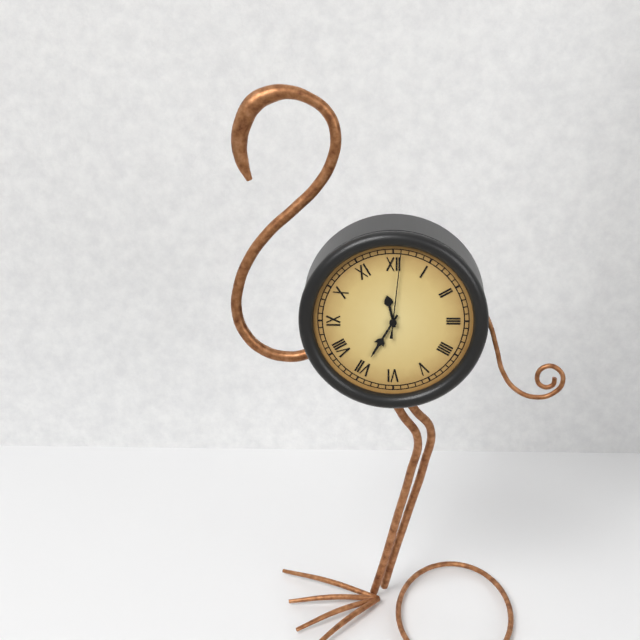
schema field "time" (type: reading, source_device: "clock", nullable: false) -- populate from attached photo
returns 11:35:01
